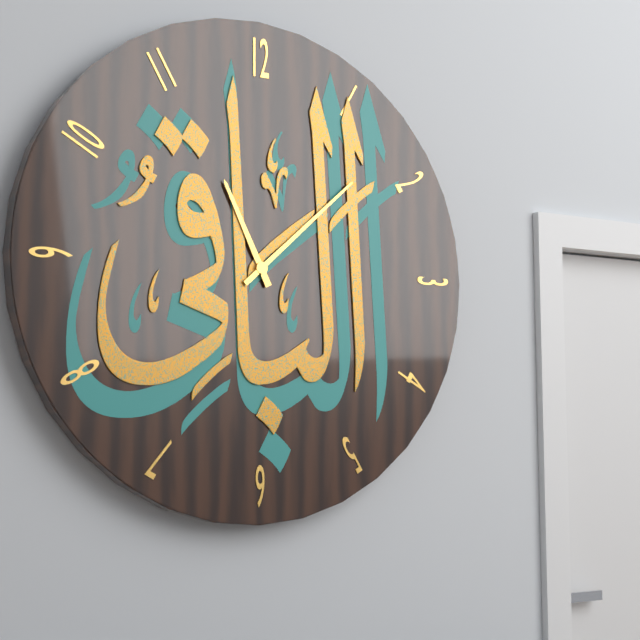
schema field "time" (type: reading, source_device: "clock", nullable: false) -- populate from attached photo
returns 11:08
